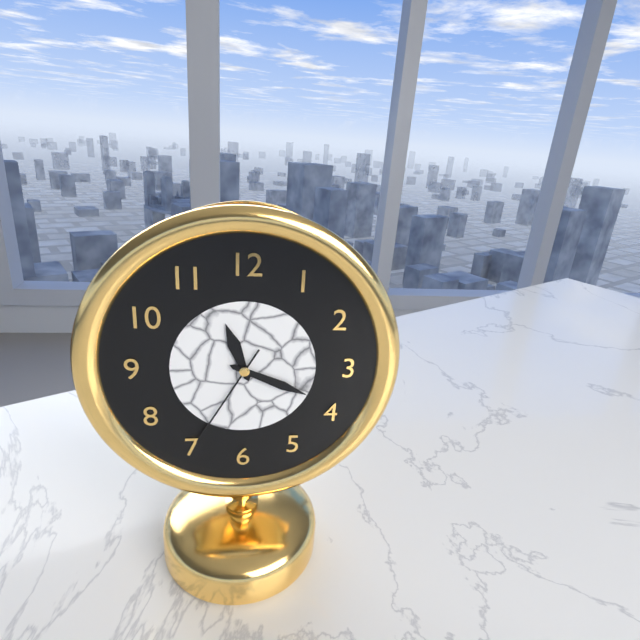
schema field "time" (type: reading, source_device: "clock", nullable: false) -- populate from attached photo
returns 11:19:35
